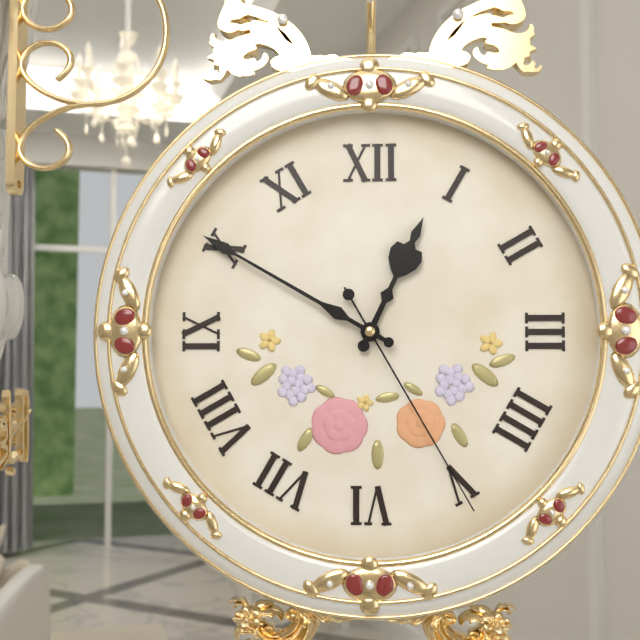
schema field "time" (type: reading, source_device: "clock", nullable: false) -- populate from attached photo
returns 12:50:25
